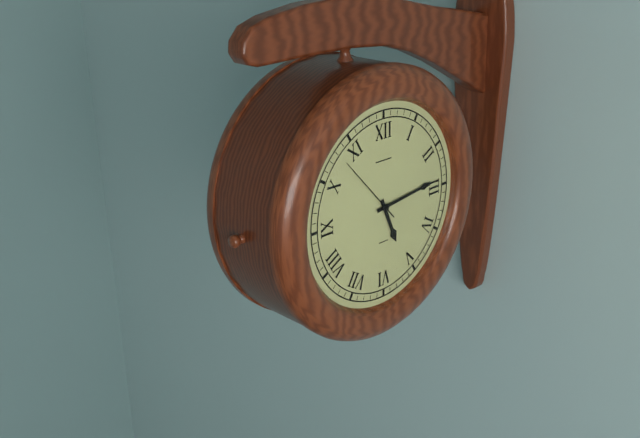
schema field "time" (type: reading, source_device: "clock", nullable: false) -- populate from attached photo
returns 5:14:53
